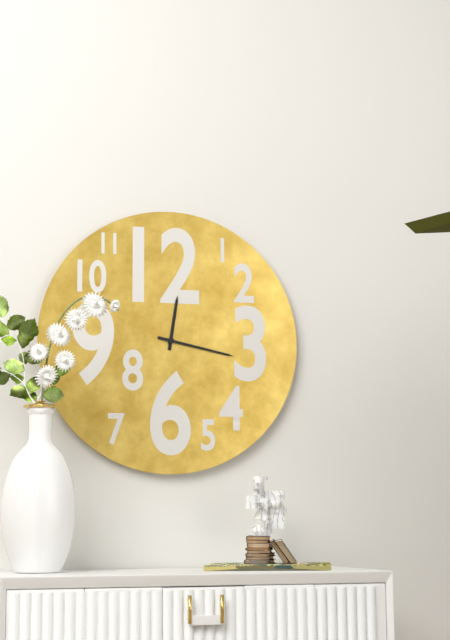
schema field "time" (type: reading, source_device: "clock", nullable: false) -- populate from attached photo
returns 12:17
